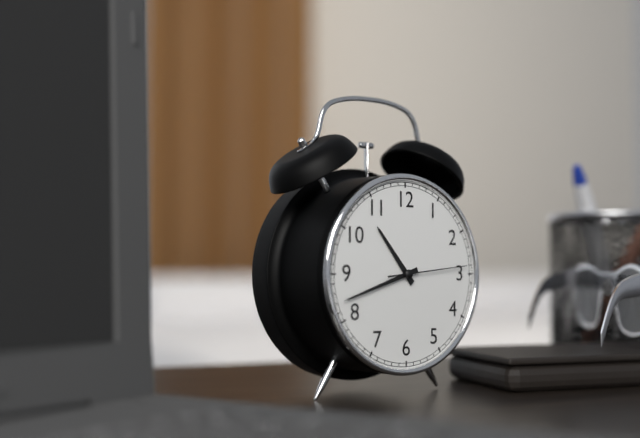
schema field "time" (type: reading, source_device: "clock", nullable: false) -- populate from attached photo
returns 10:42:14
